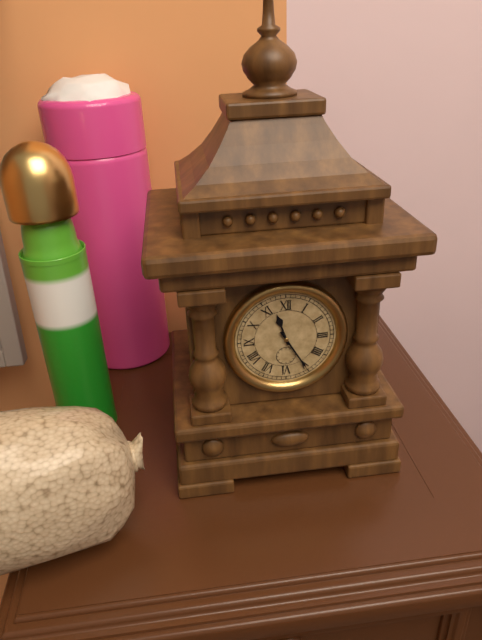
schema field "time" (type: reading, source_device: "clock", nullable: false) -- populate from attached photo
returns 11:25
